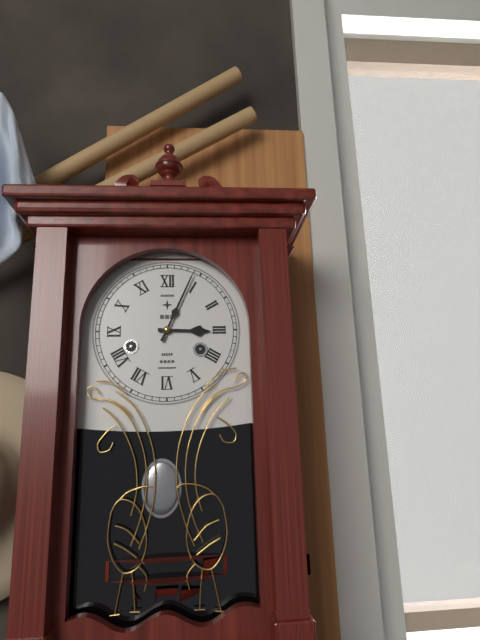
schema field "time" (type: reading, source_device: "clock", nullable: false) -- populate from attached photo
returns 3:04
